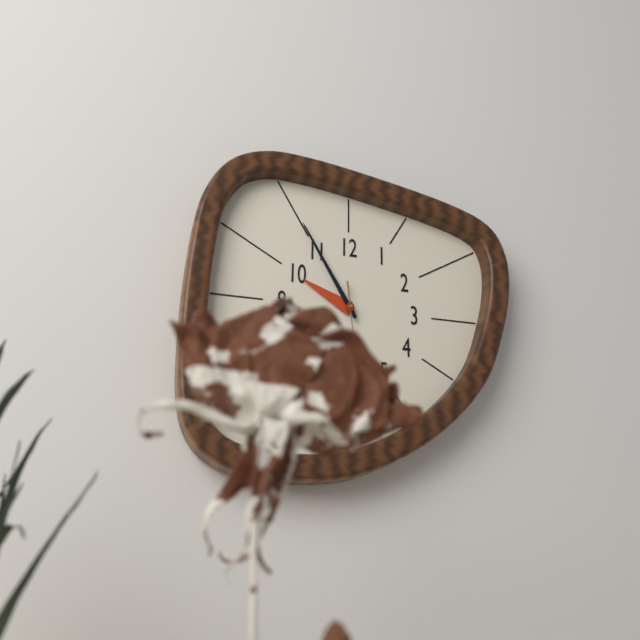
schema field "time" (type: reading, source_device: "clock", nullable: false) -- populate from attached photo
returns 9:55
